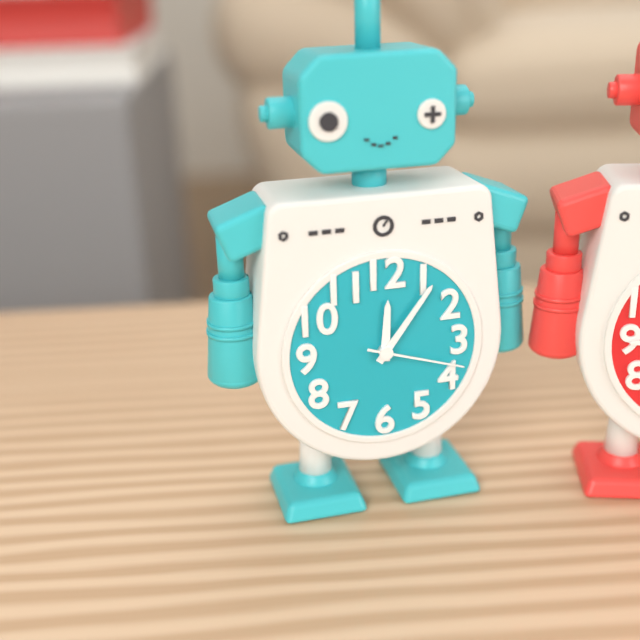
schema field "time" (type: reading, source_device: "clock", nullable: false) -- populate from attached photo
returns 12:06:18
